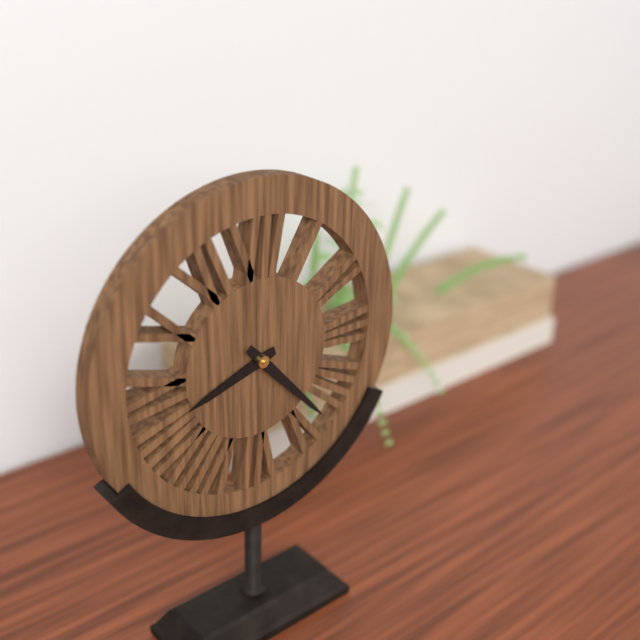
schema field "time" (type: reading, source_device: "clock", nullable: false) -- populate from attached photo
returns 8:23
